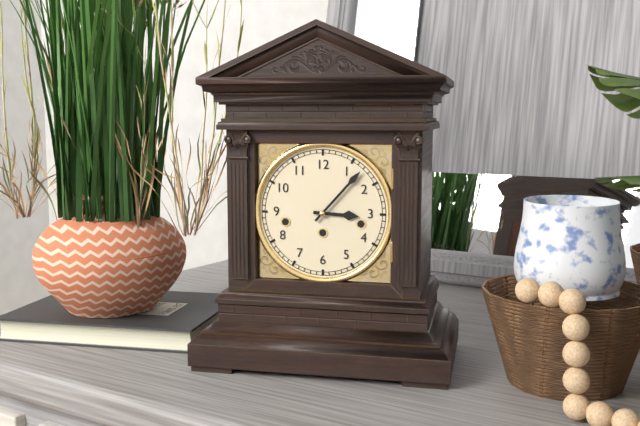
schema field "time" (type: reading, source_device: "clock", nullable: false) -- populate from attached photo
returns 3:07
